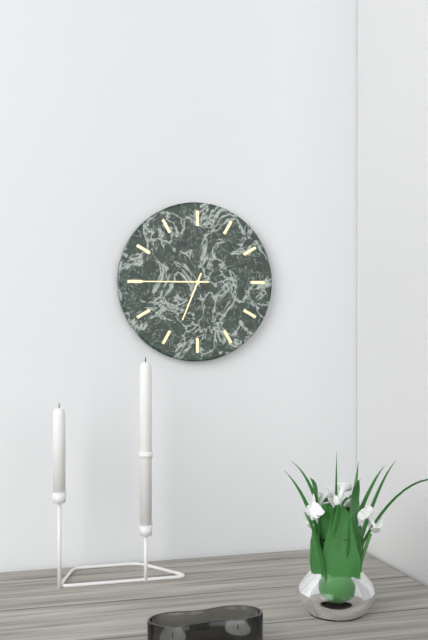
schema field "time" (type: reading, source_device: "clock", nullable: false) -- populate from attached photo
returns 6:45
